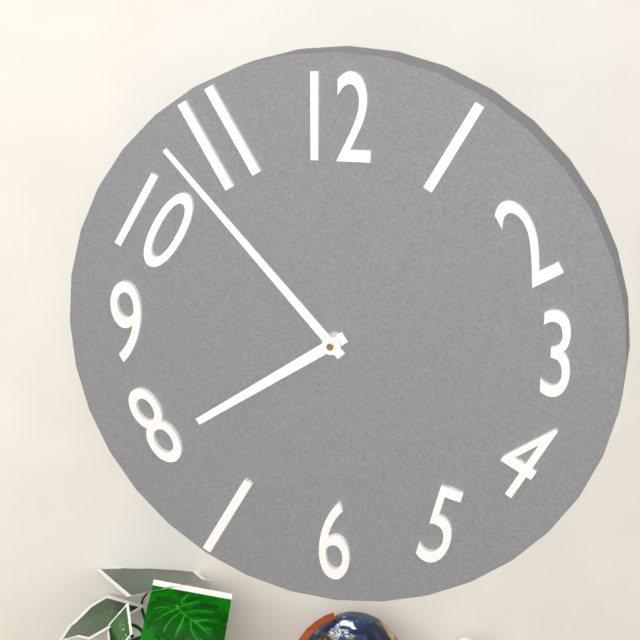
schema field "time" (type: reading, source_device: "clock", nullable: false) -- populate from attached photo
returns 7:53
